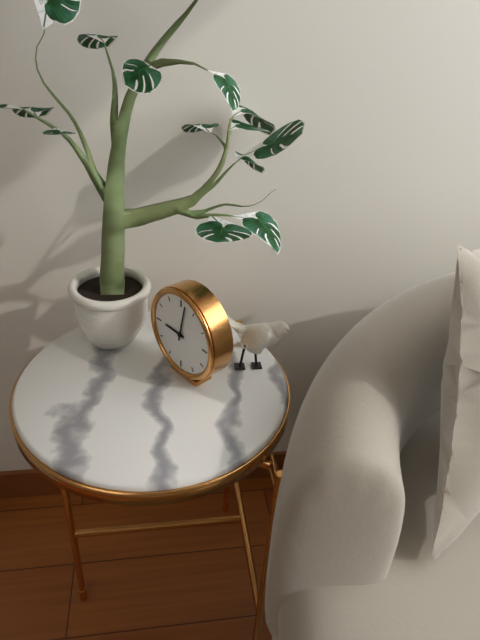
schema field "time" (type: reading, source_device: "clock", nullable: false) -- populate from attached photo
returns 9:02
